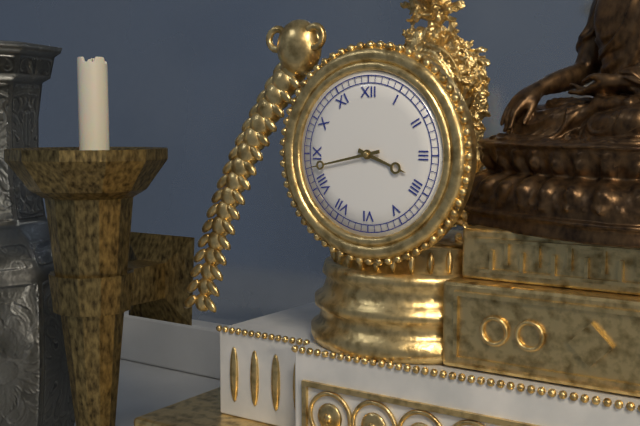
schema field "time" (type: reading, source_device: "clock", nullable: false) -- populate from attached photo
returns 3:43
